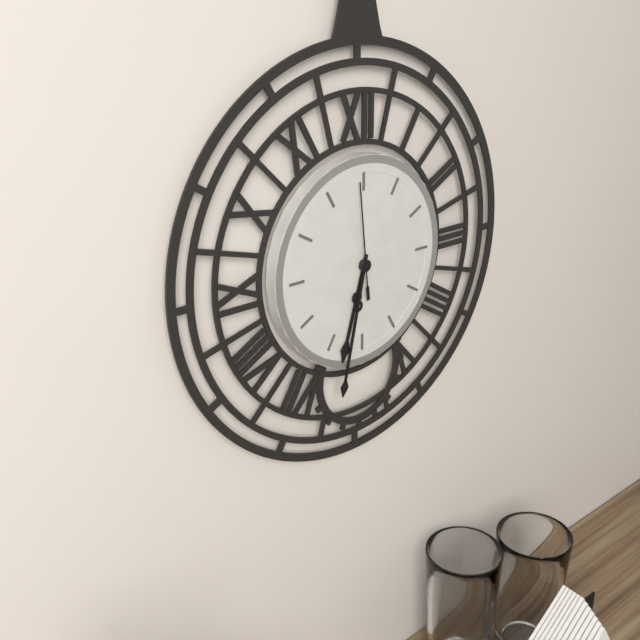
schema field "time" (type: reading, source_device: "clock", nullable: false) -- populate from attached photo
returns 6:32:59
